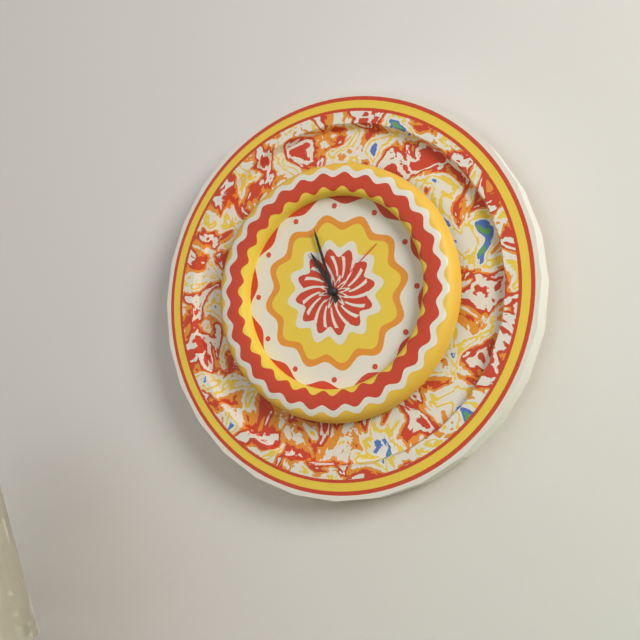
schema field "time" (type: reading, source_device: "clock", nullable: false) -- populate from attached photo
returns 10:57:08
